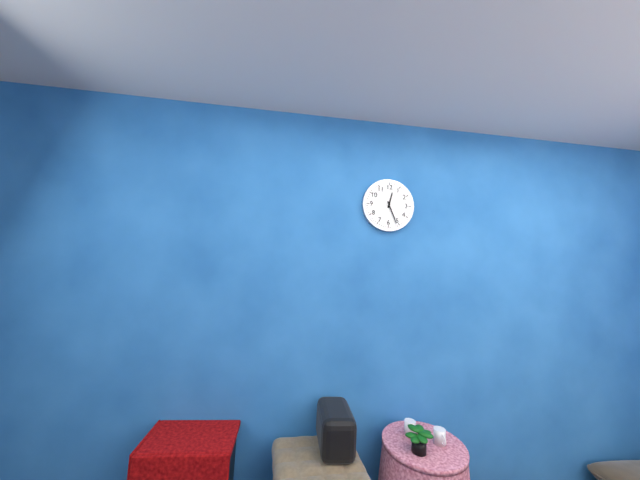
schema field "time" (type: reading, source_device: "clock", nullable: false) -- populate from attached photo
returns 12:26
